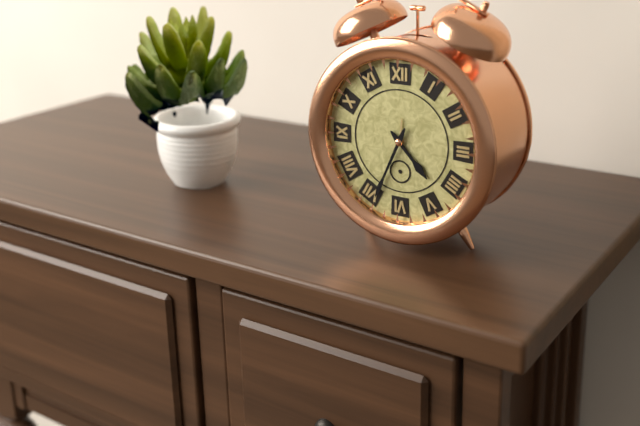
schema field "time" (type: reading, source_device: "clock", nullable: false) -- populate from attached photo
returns 4:34
